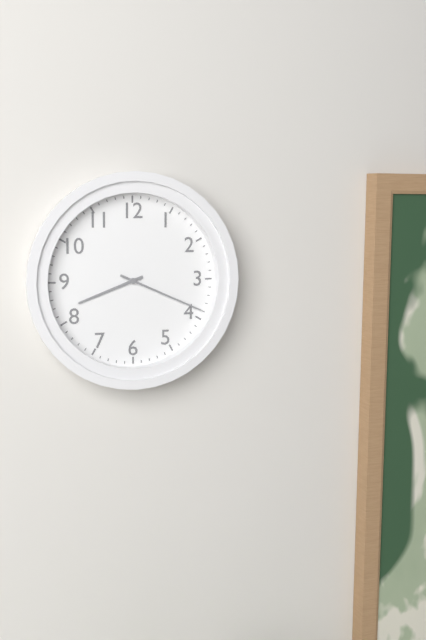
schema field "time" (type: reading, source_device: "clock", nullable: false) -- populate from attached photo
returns 8:19
